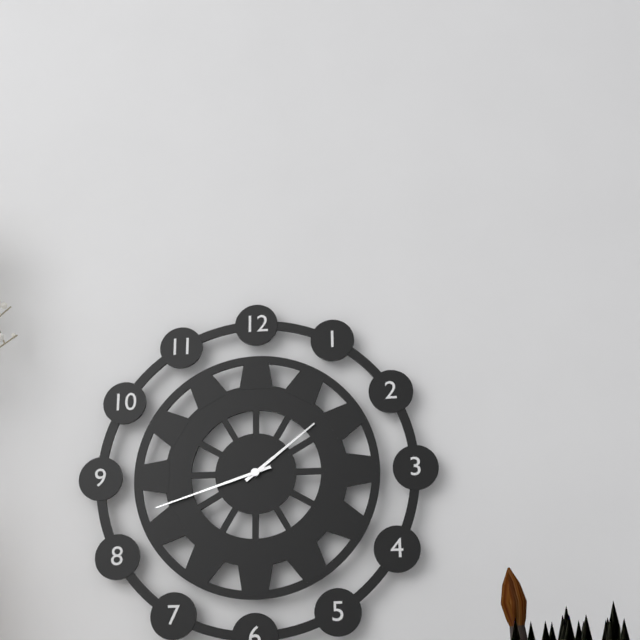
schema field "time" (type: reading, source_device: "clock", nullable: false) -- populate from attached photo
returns 1:42
